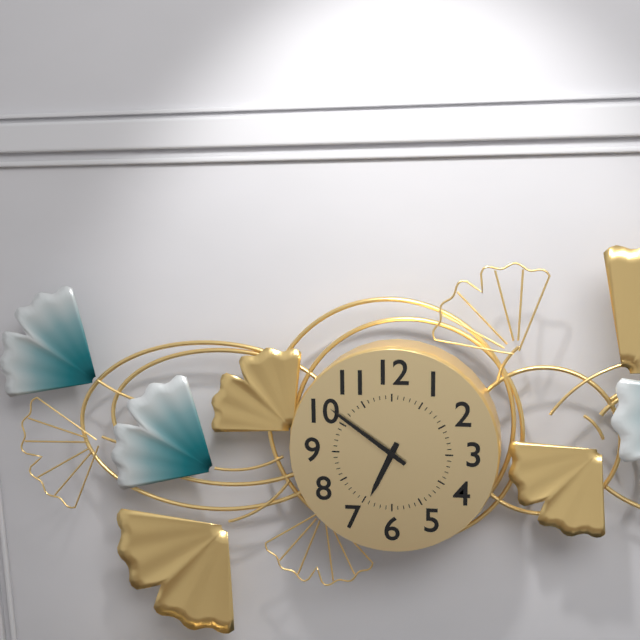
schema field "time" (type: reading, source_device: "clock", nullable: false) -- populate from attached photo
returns 6:51
